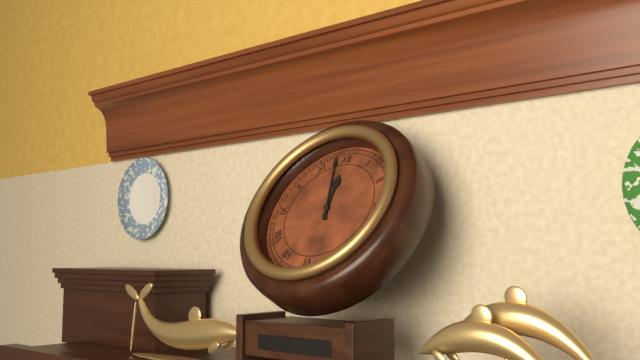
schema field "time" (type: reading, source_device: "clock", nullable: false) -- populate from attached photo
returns 11:58
